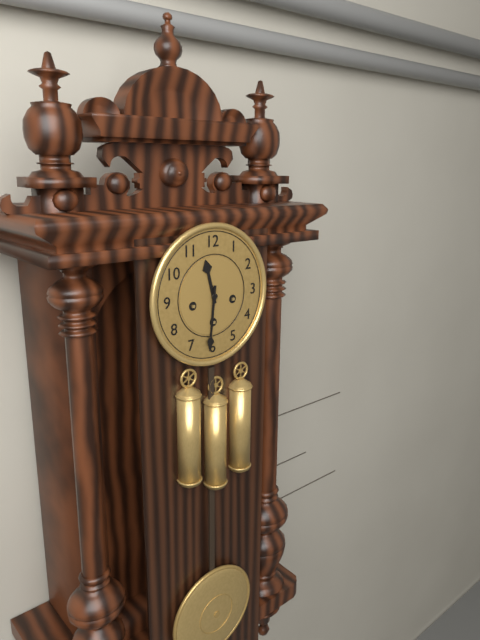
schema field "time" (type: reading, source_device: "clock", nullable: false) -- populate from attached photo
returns 11:31
